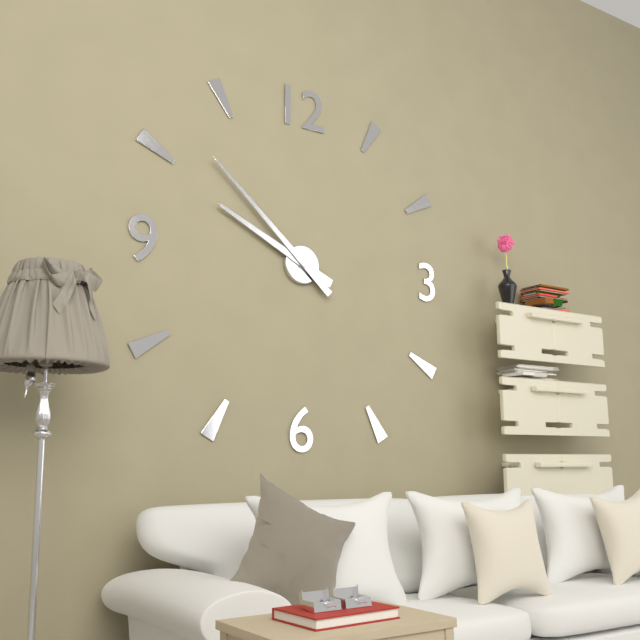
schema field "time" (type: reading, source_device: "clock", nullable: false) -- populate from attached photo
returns 9:52
